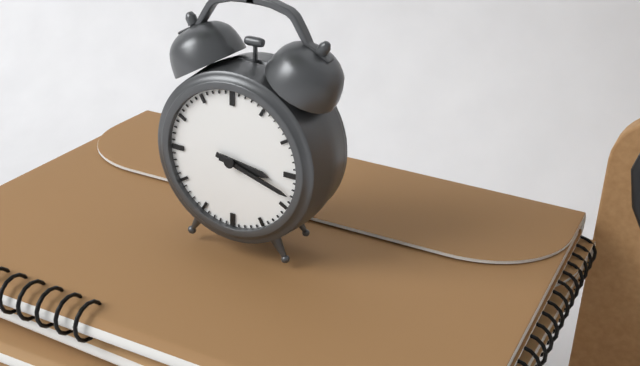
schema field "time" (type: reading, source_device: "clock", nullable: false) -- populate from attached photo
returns 3:18
